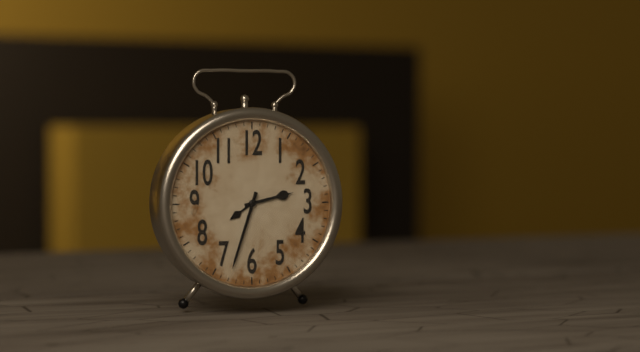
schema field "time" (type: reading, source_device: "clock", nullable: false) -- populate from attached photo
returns 2:33
